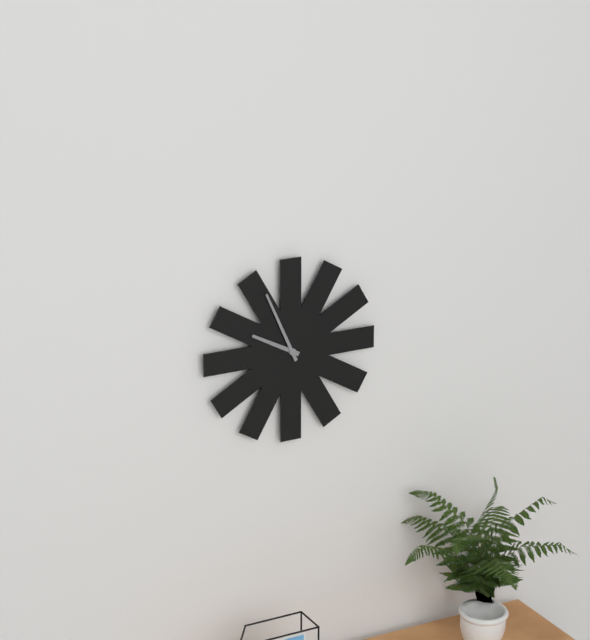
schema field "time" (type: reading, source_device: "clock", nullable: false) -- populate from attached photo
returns 9:56
